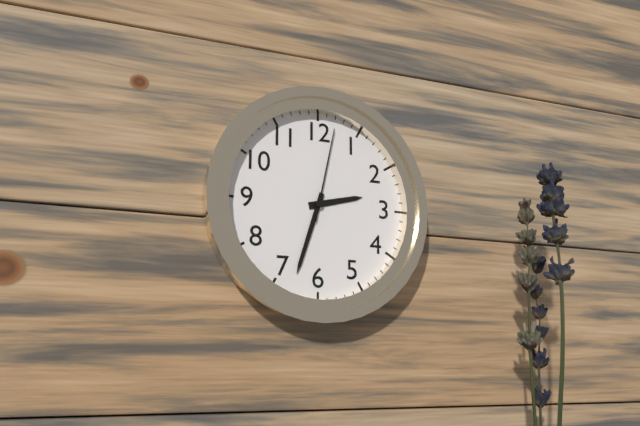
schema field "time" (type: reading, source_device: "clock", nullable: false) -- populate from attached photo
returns 2:33:02
